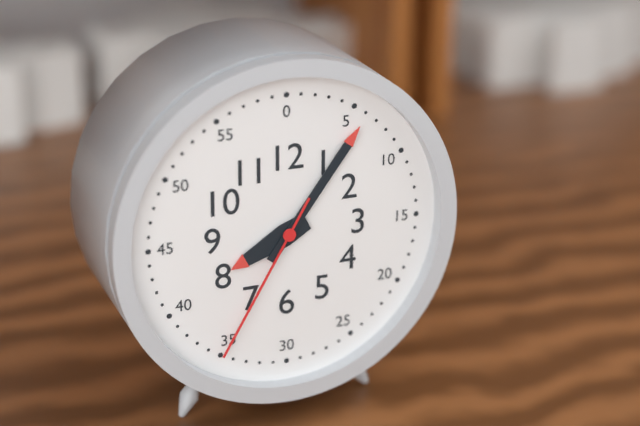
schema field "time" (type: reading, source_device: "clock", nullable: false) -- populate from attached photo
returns 8:06:35
